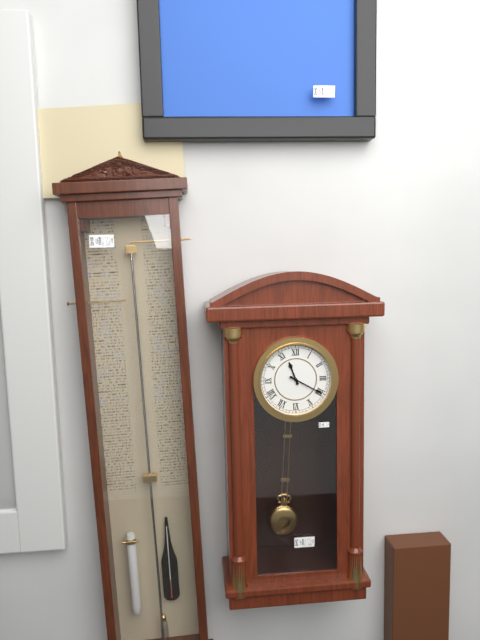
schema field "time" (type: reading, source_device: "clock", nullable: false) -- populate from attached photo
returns 11:20
